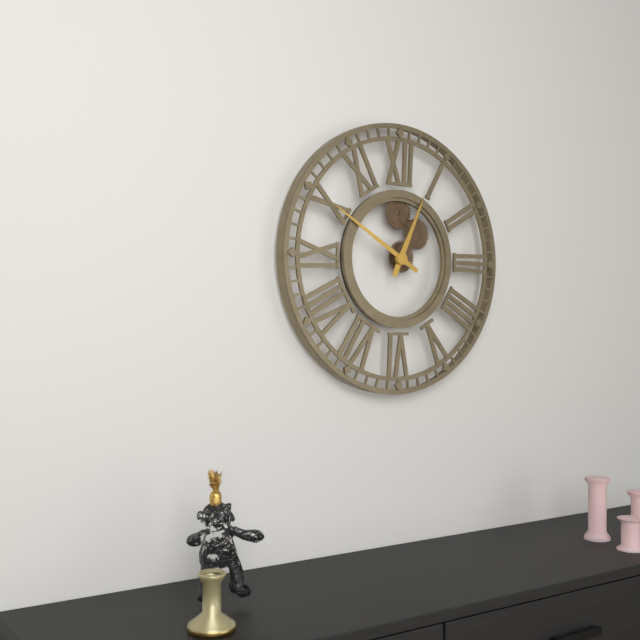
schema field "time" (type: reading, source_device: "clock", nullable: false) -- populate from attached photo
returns 12:50
